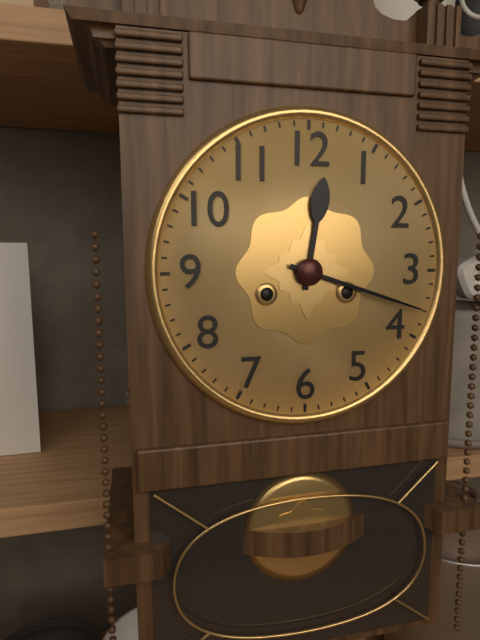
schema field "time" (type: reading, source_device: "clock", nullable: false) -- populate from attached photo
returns 12:18
